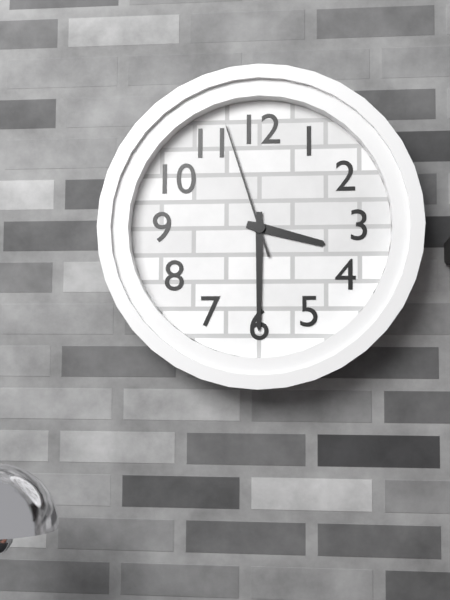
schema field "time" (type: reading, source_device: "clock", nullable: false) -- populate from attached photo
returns 3:30:57
